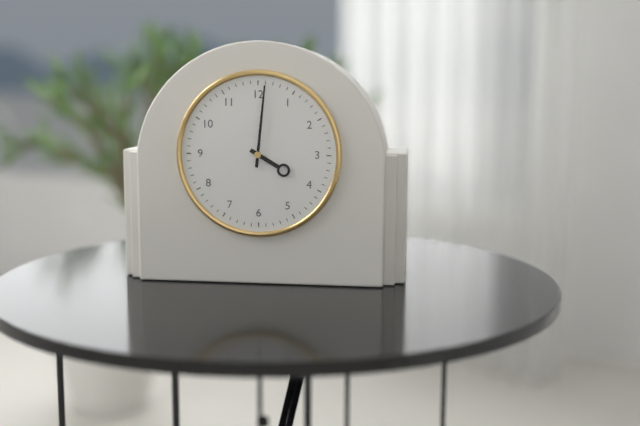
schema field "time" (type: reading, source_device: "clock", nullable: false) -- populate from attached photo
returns 4:01
